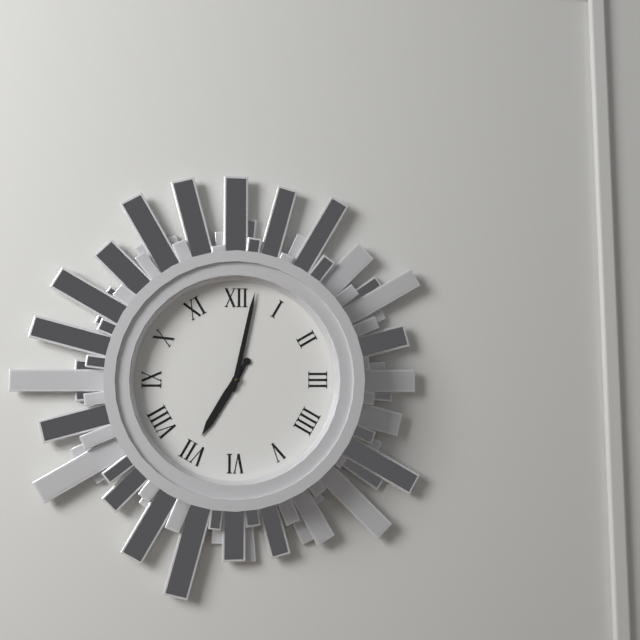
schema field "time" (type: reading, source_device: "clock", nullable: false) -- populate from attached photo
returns 7:02
